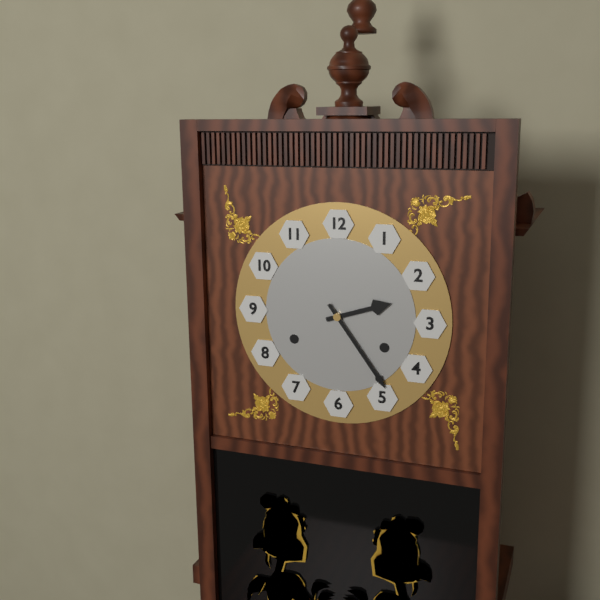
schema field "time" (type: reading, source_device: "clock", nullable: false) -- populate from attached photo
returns 2:24
